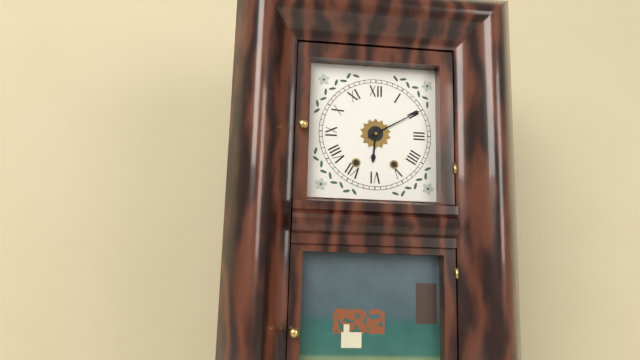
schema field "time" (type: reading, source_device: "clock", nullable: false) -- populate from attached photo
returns 6:10
